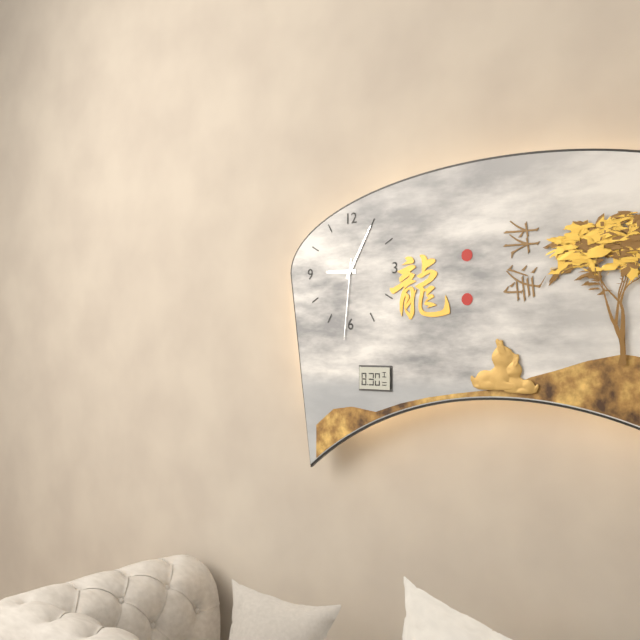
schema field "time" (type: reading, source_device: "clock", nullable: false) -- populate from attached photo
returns 9:05:31
